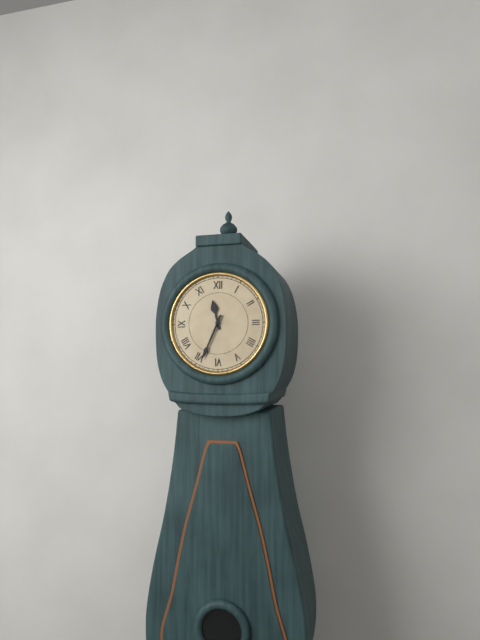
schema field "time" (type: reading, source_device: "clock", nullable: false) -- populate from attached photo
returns 11:34
